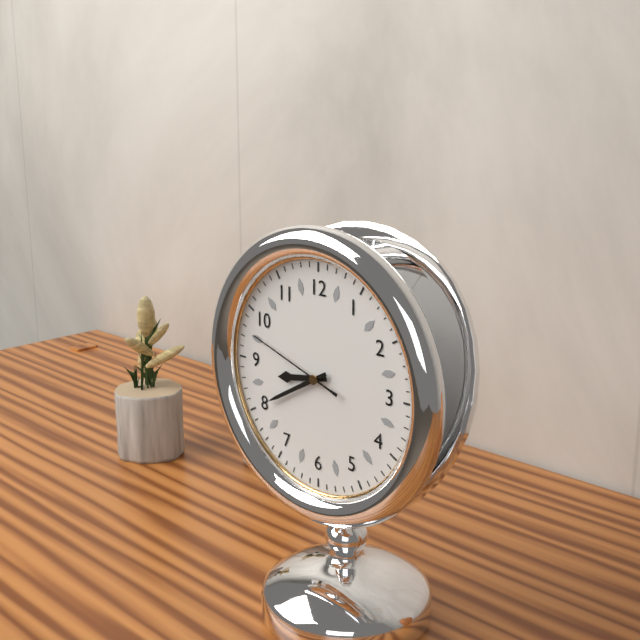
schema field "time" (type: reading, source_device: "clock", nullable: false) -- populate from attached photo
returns 8:40:48
